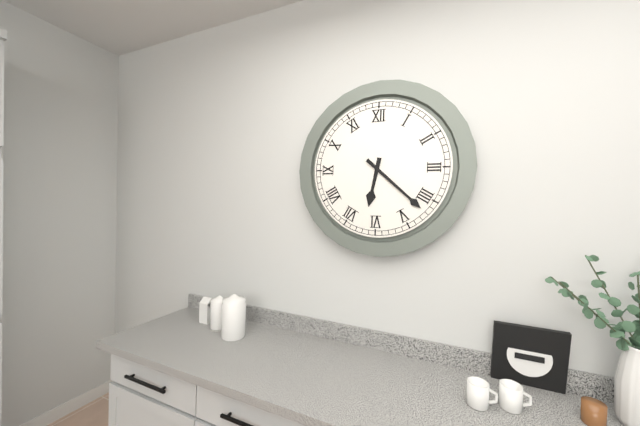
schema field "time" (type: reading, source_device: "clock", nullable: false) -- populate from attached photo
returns 6:22
